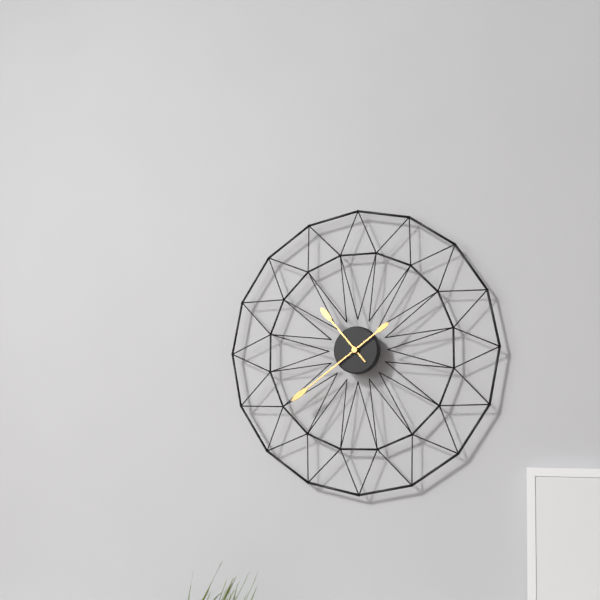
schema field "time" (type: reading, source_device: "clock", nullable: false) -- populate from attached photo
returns 10:39
